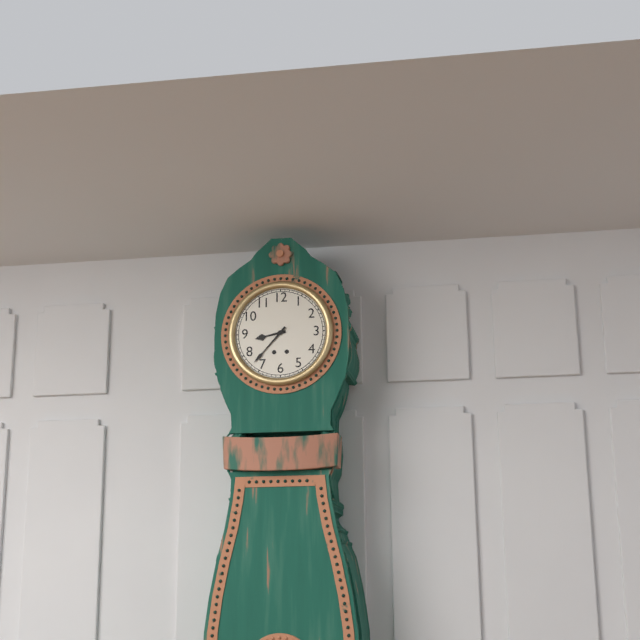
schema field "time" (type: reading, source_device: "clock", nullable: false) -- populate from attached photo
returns 8:37
